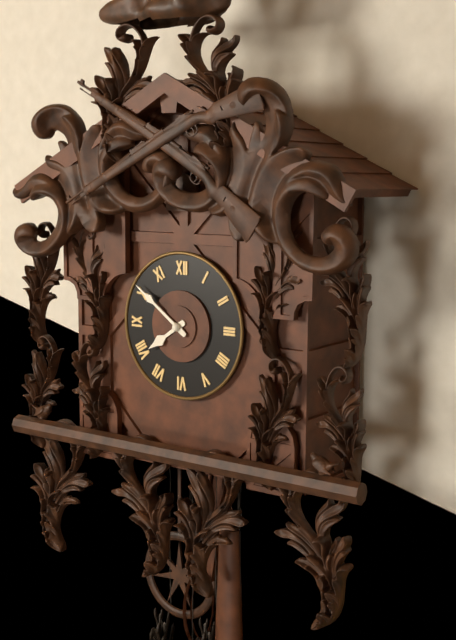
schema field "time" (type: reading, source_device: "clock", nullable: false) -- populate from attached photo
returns 7:51
